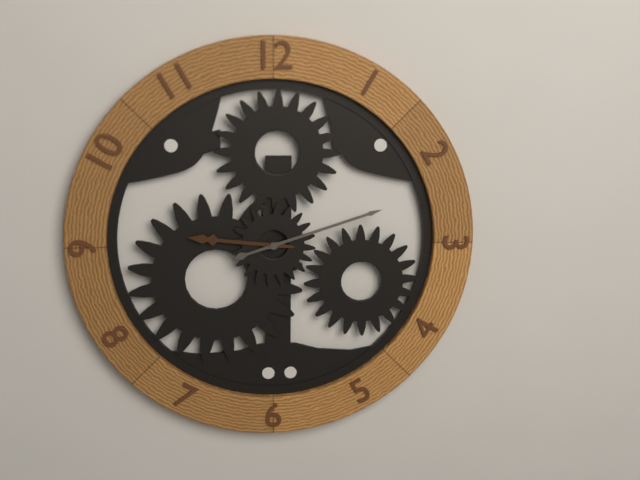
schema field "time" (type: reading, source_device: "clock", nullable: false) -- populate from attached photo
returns 9:12
